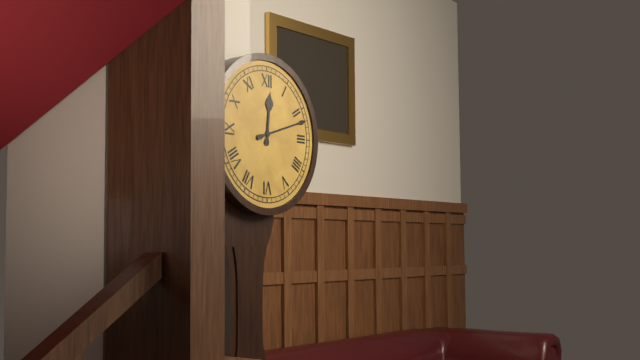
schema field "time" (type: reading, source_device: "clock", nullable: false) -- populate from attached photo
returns 12:12
